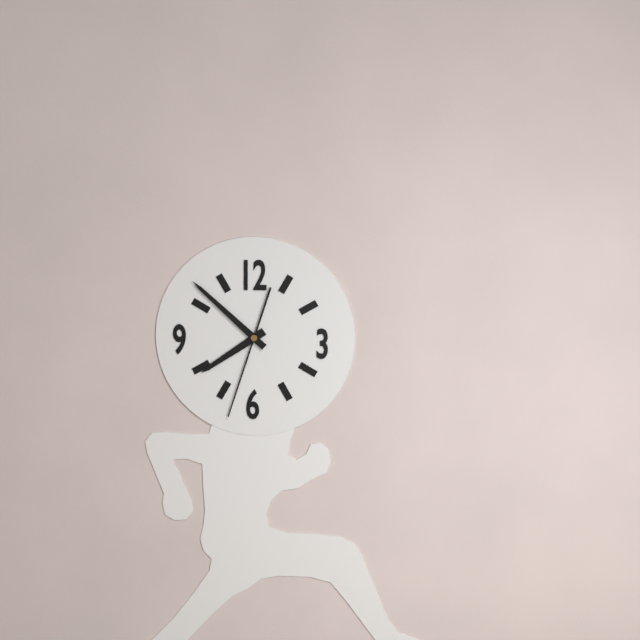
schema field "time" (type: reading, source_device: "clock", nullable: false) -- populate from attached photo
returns 7:52:33
